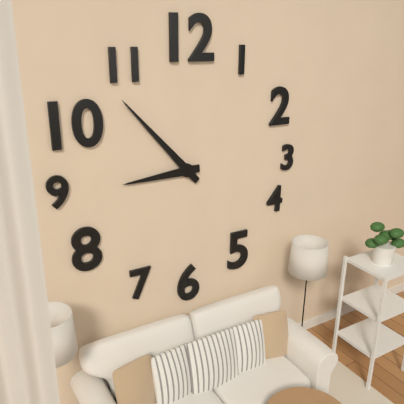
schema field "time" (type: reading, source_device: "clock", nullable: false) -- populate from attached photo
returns 8:53
